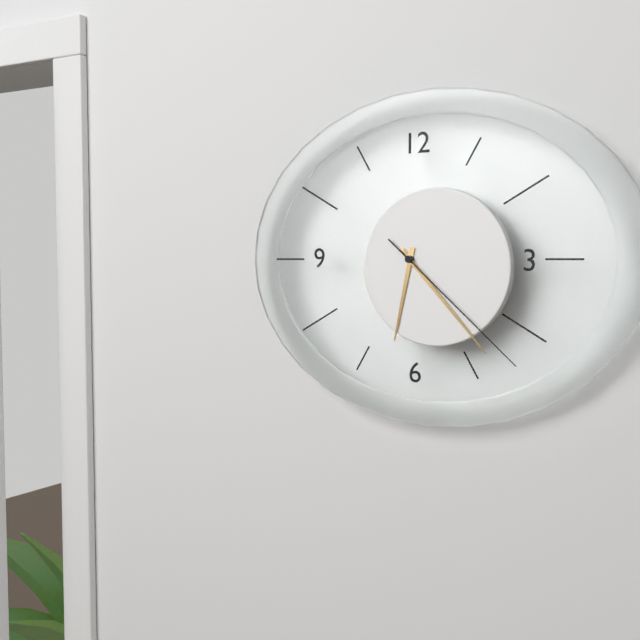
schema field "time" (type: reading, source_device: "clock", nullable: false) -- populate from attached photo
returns 6:23:22
